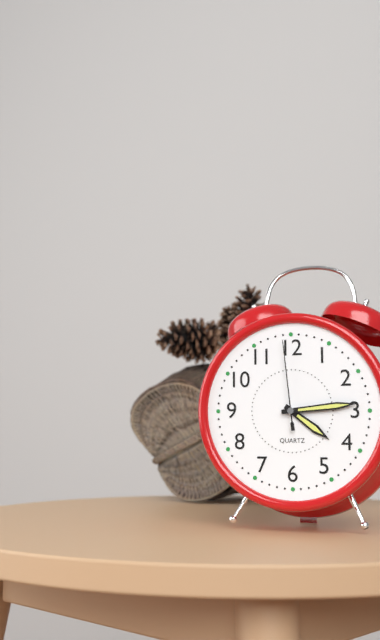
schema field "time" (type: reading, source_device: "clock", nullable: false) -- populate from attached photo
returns 4:14:59
